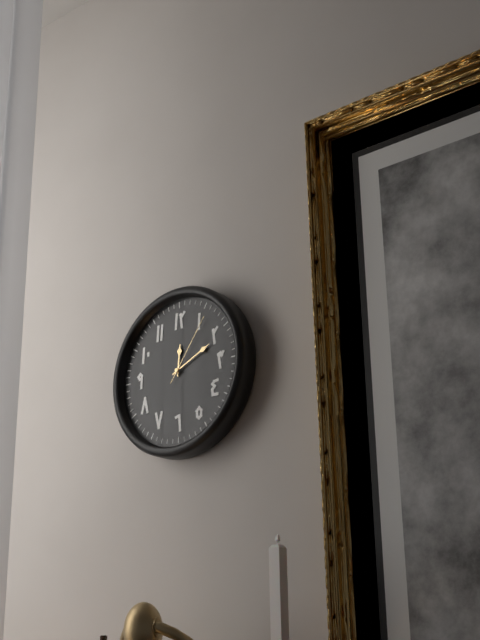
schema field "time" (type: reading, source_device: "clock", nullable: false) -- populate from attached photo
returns 12:11:06
